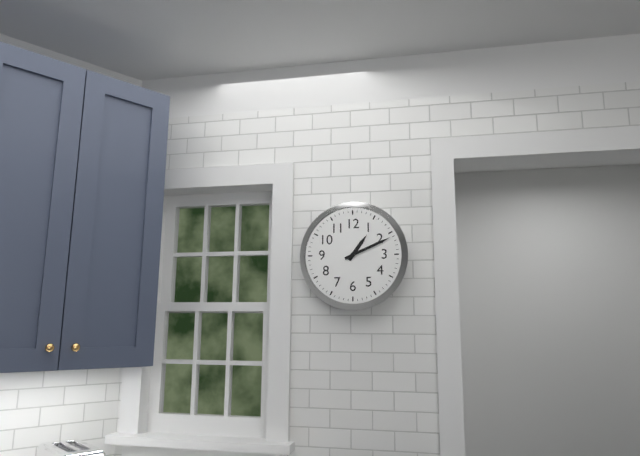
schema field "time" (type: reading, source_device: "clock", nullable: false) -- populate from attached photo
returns 1:11
